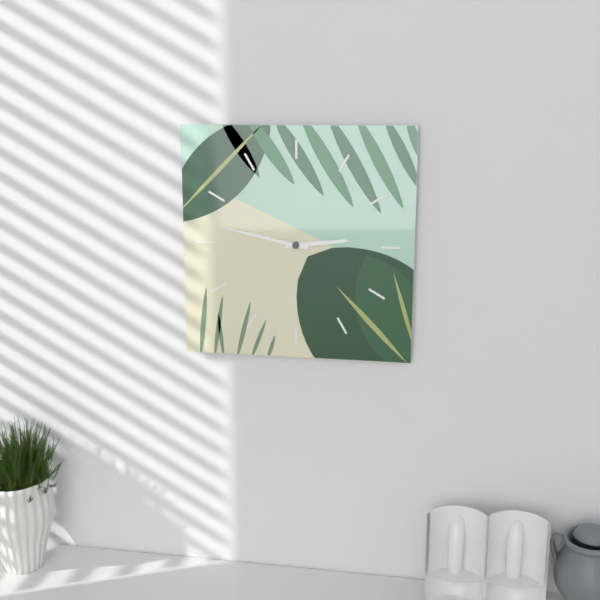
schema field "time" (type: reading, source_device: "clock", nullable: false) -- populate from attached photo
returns 2:47
